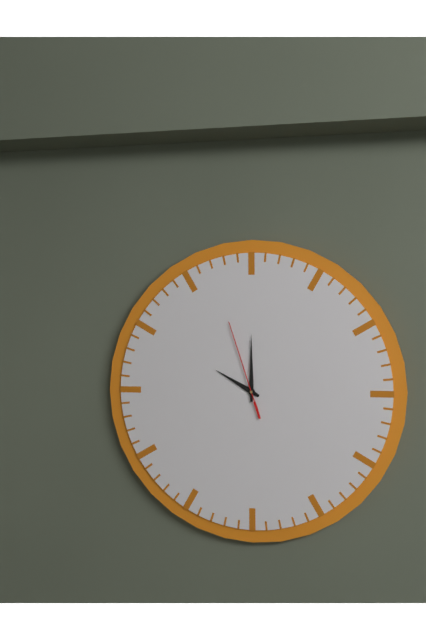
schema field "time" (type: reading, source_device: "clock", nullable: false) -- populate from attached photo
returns 10:00:57
